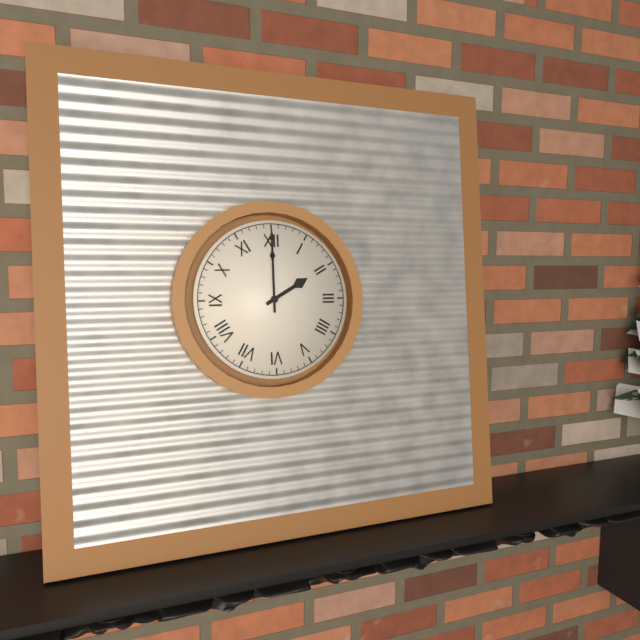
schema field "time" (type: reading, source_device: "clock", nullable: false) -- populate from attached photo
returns 2:00
